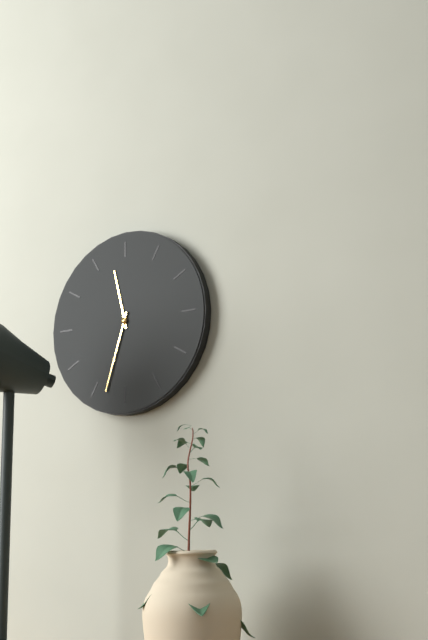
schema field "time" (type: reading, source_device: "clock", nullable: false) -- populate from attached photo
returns 11:33
